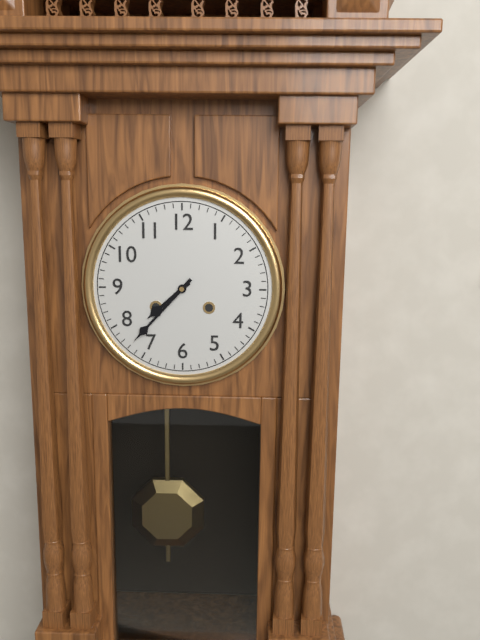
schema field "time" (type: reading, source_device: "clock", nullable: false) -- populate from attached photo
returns 7:37
